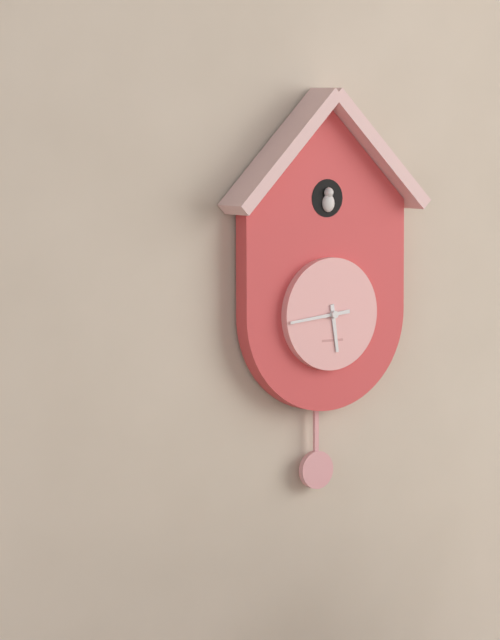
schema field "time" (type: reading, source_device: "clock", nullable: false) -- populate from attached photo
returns 5:44
